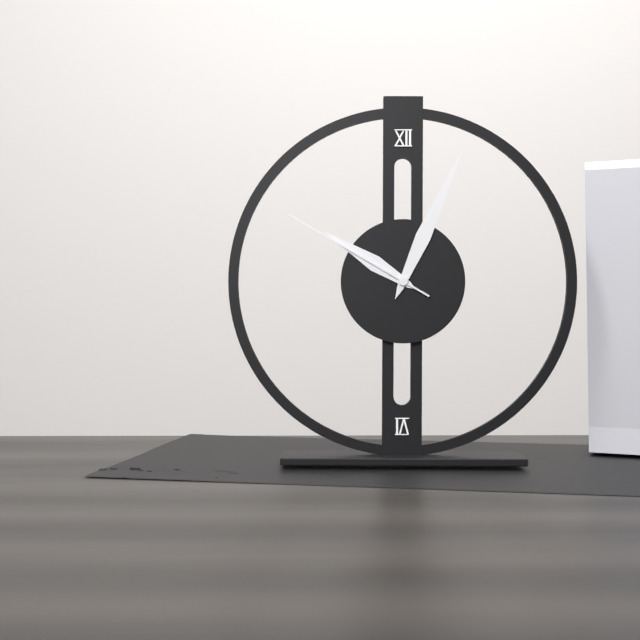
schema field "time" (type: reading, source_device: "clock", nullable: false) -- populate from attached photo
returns 10:04:50
